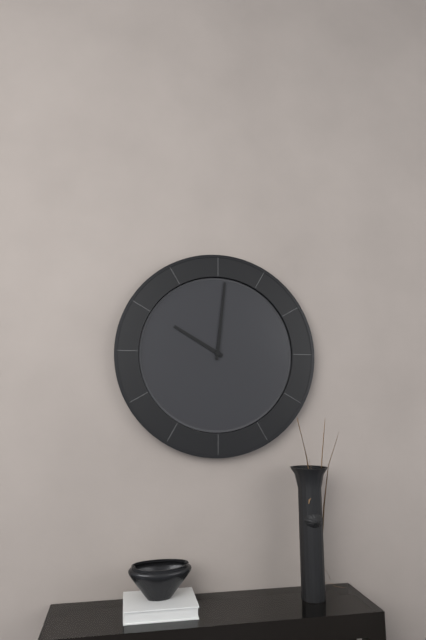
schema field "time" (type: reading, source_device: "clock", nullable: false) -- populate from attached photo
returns 10:01
